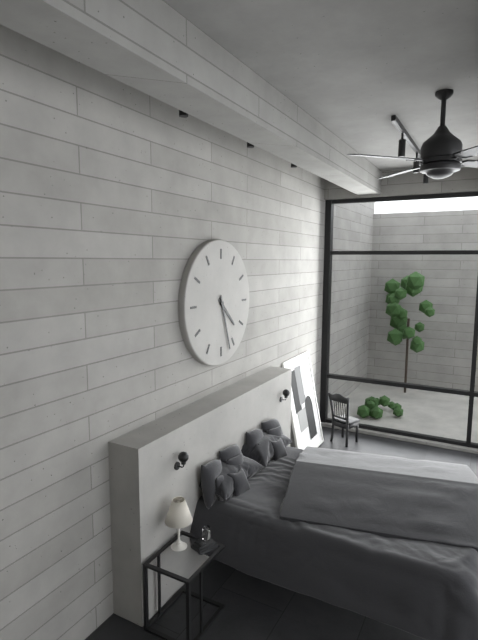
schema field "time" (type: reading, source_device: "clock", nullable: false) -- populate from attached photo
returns 4:27
